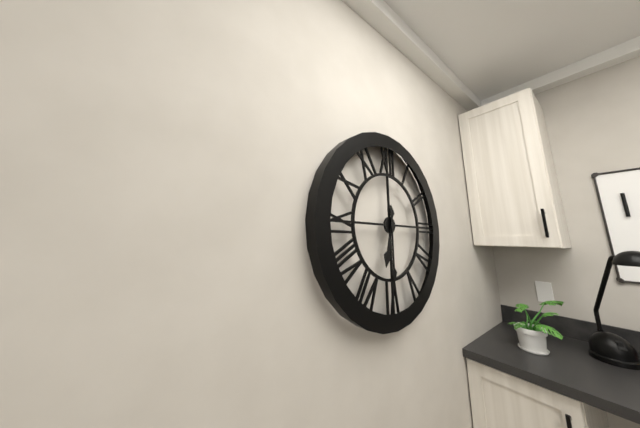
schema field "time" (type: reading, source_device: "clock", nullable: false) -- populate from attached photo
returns 6:30
